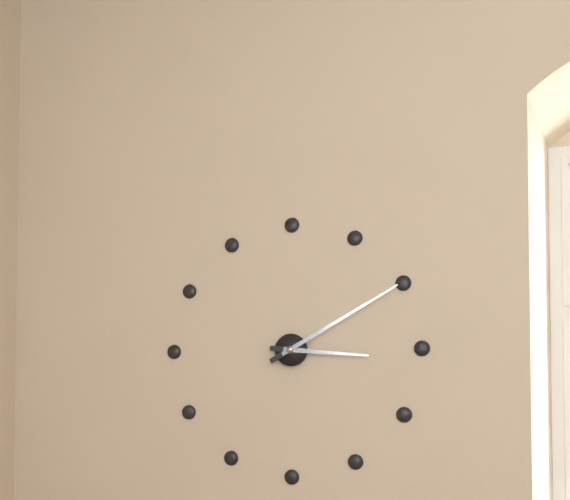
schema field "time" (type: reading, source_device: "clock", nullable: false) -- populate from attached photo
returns 3:10
